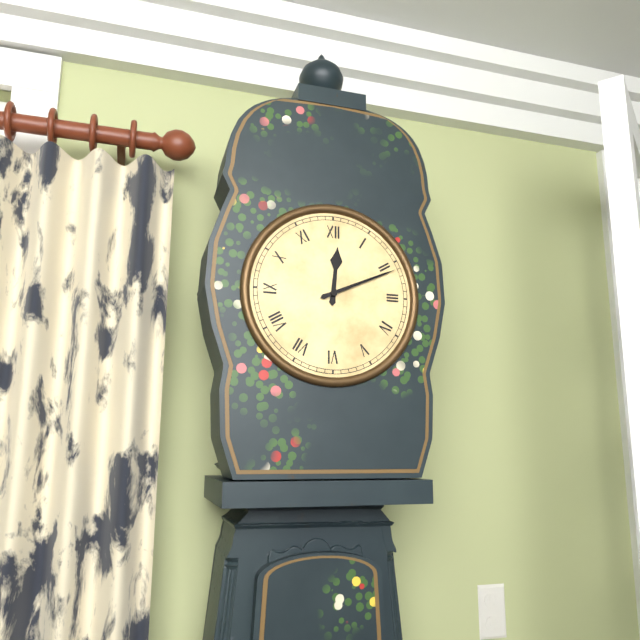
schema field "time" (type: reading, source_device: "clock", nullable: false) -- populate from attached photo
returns 12:11
